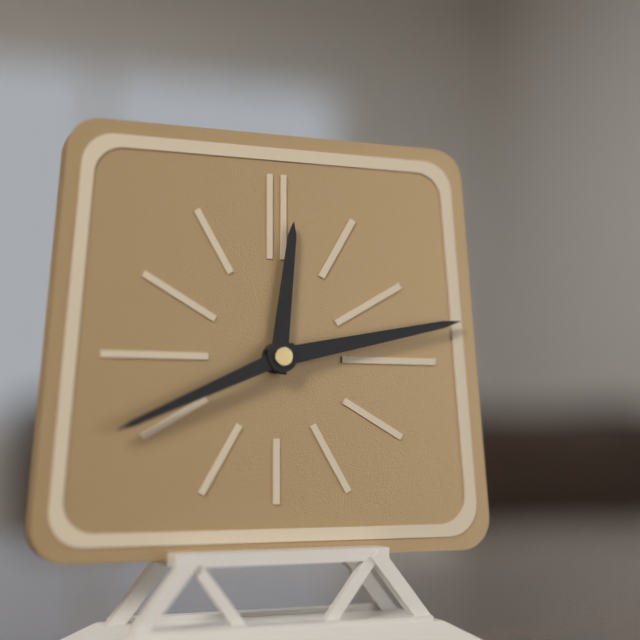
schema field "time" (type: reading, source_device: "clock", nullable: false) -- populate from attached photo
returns 12:13:41
